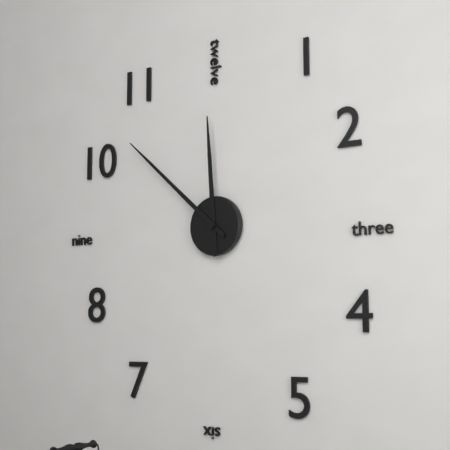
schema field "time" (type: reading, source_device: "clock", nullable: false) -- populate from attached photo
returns 11:52
